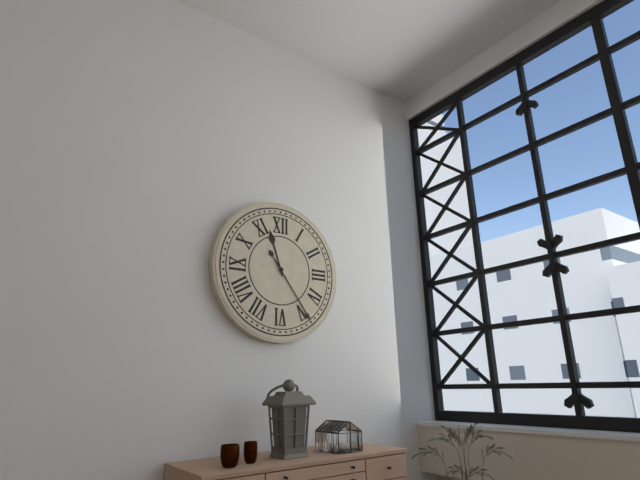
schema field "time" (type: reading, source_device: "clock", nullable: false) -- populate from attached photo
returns 11:24
